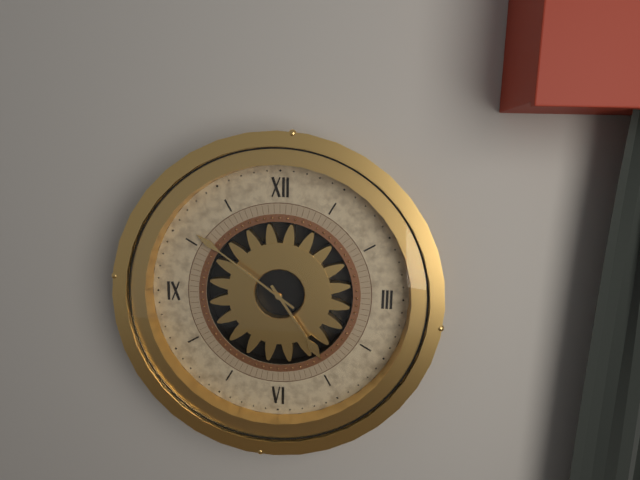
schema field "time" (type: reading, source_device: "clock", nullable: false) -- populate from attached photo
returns 4:51
